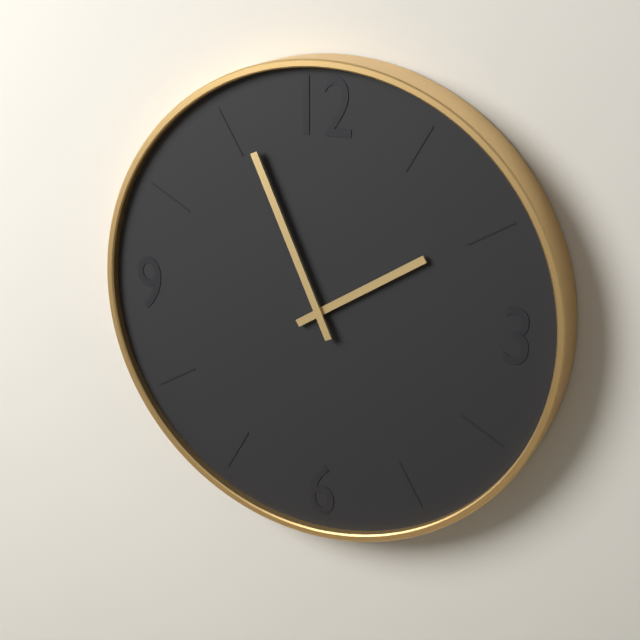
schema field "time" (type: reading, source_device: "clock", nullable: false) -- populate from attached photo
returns 1:56
